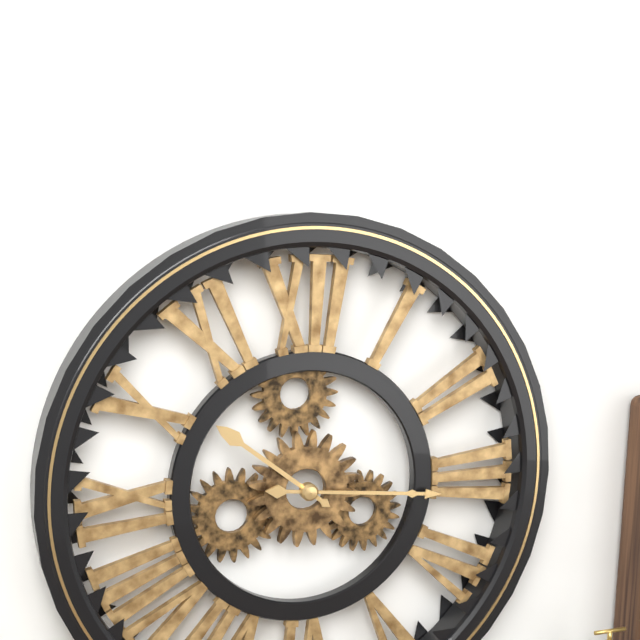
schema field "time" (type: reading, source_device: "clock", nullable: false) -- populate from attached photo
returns 10:16
